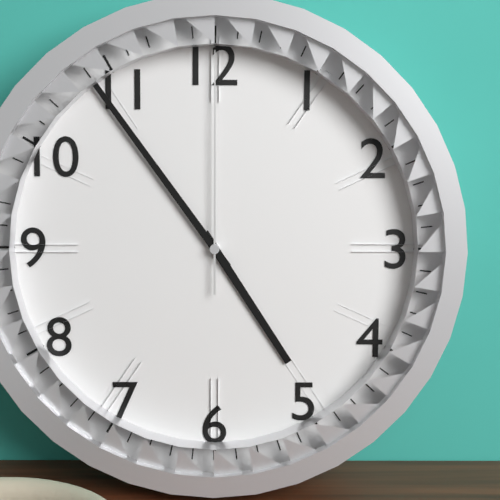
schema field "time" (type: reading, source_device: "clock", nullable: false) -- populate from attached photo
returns 4:54:00
